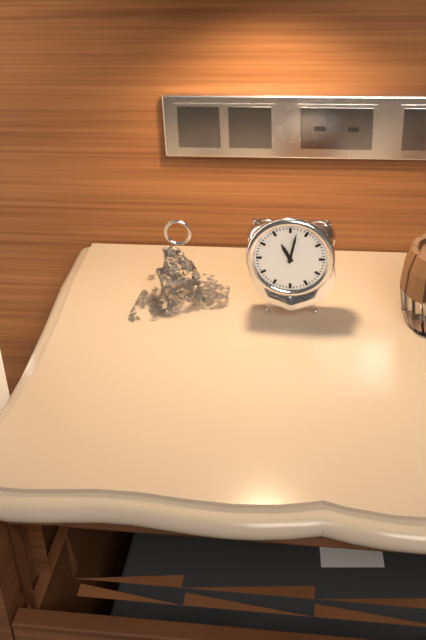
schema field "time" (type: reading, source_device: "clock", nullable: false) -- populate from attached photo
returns 11:02
